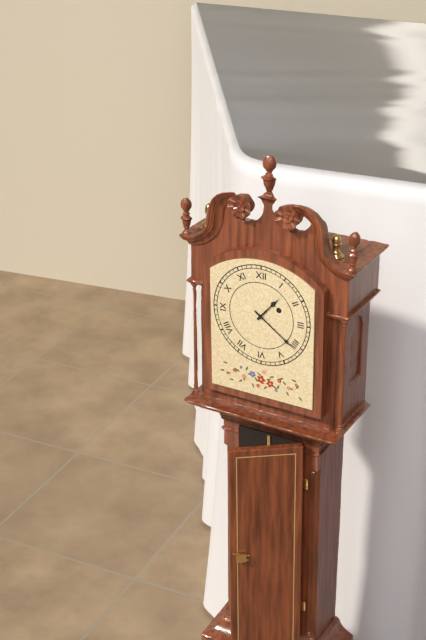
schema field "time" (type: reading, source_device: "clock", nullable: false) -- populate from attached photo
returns 1:21
